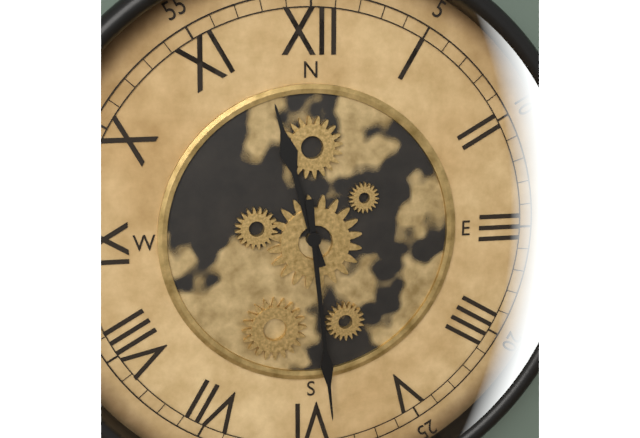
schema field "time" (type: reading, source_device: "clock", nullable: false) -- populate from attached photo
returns 11:29
